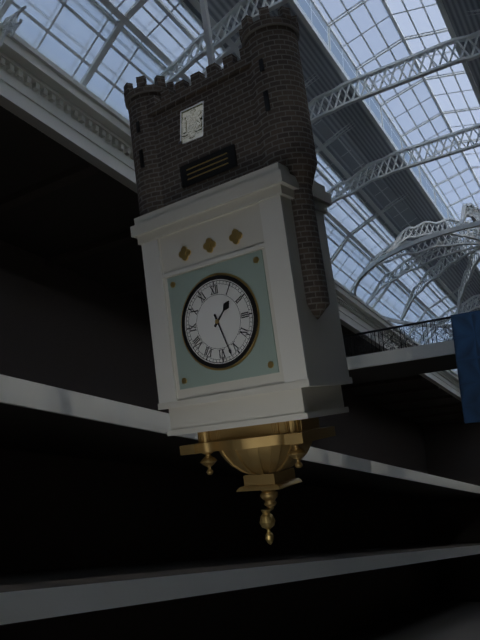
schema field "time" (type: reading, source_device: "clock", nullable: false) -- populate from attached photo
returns 1:27
